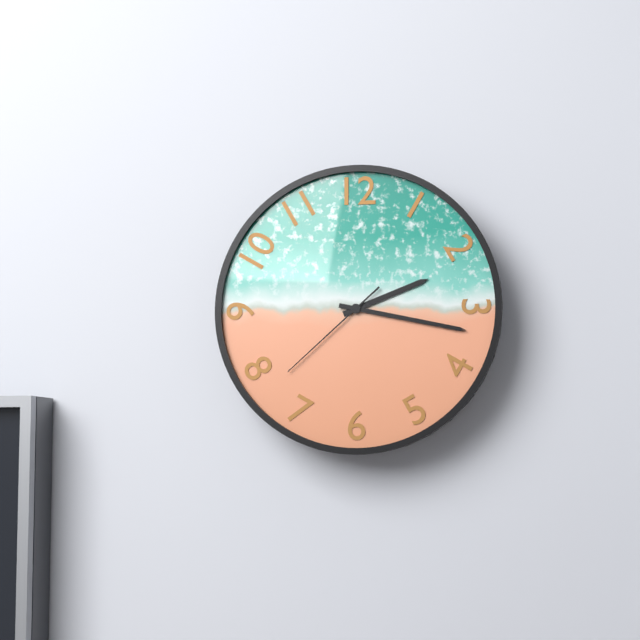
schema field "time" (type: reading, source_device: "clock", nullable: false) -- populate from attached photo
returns 2:17:38
